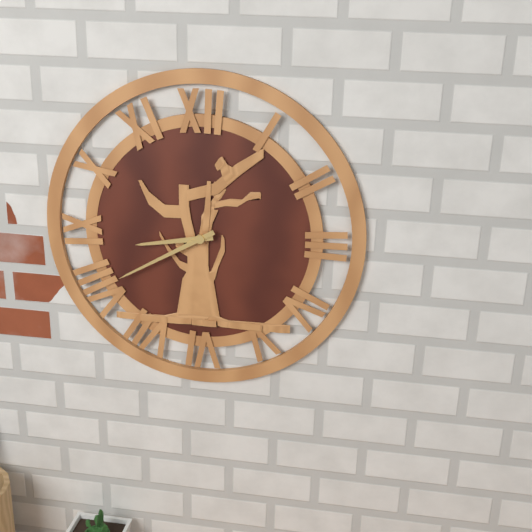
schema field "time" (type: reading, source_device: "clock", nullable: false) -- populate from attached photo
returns 8:40
